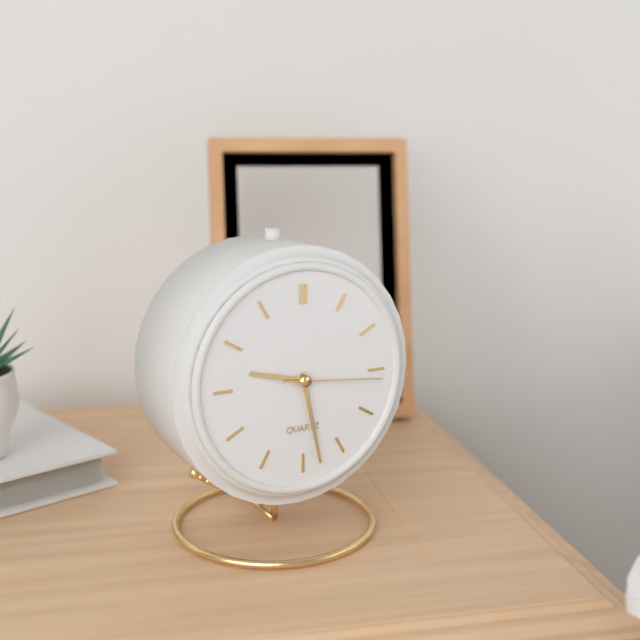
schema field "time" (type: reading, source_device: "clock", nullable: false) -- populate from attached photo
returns 9:28:16
